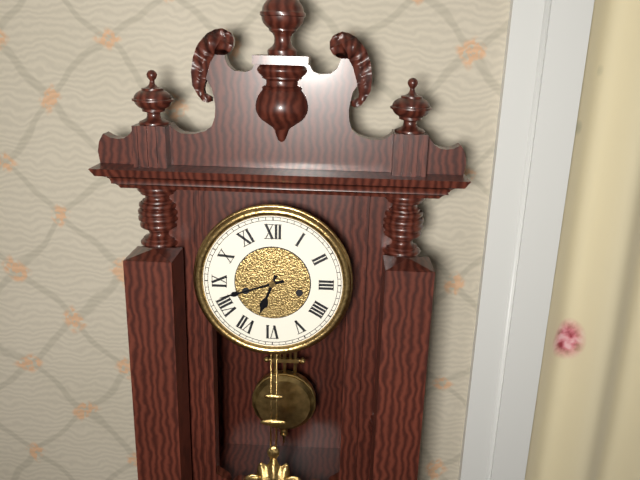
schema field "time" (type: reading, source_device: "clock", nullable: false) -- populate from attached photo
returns 6:42
